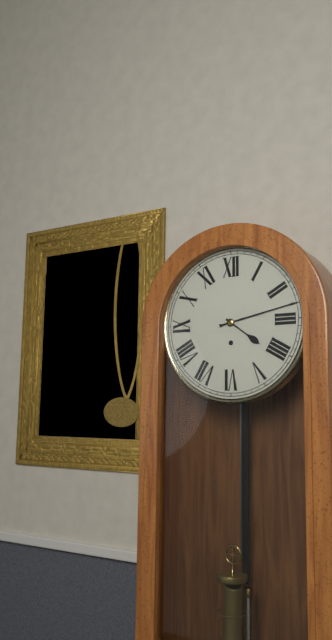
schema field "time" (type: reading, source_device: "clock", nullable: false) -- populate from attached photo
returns 4:13
